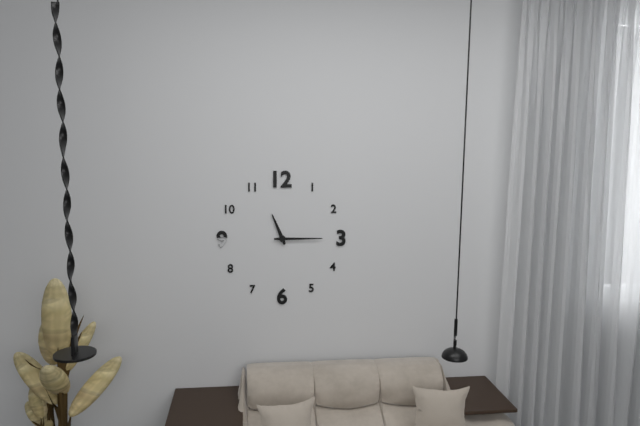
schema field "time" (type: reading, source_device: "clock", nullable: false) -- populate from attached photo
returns 11:15
